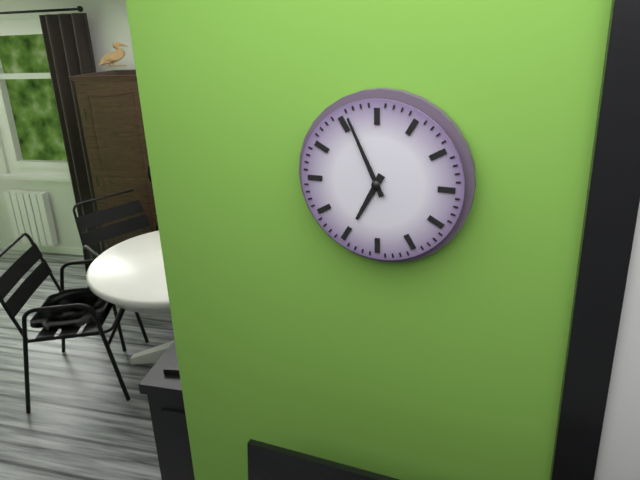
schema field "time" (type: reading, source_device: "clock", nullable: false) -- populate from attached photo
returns 6:56
